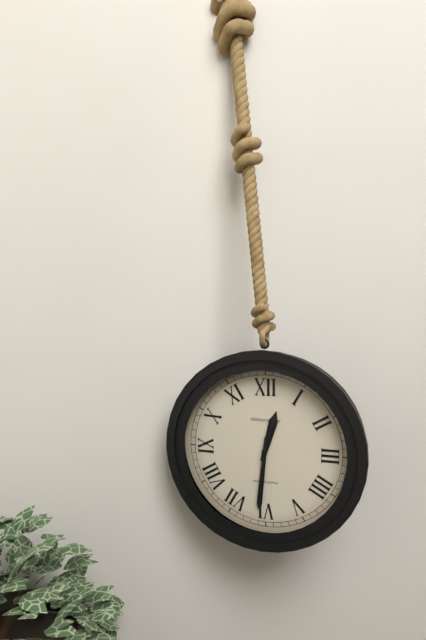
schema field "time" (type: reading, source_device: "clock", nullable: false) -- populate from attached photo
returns 12:31
